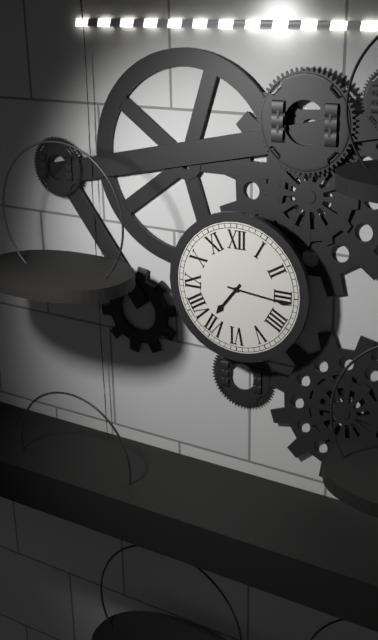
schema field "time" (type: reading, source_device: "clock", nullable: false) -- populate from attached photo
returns 7:16
